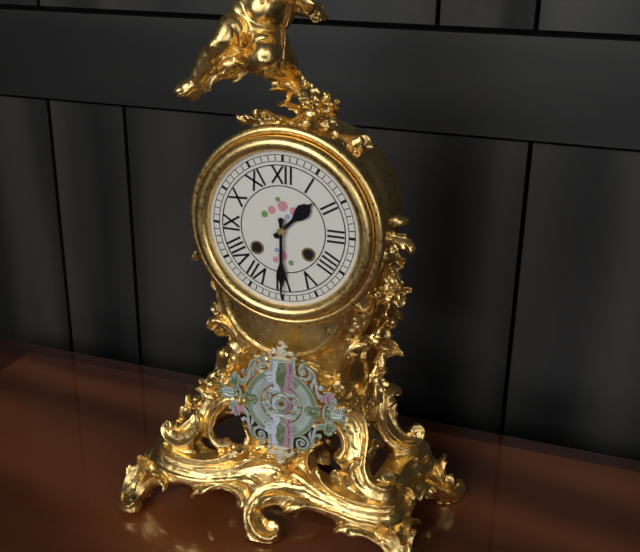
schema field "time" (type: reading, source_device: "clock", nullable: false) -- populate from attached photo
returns 1:30
